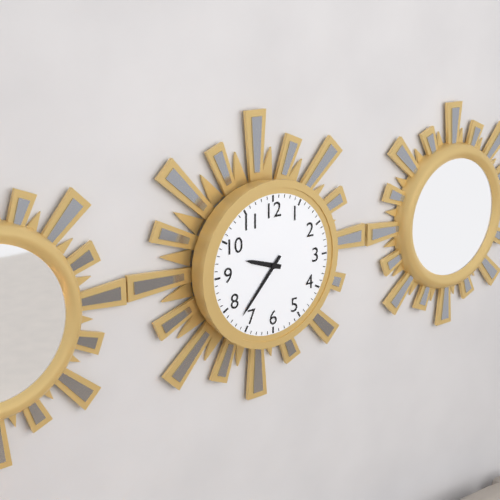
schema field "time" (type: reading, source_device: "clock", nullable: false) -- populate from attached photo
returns 9:37
